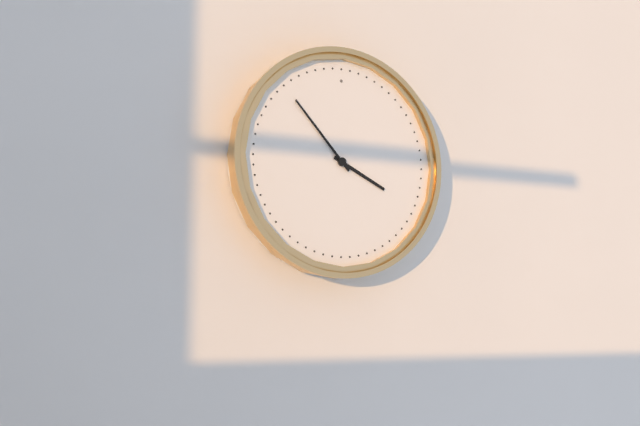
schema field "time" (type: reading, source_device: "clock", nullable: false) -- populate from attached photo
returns 3:53
